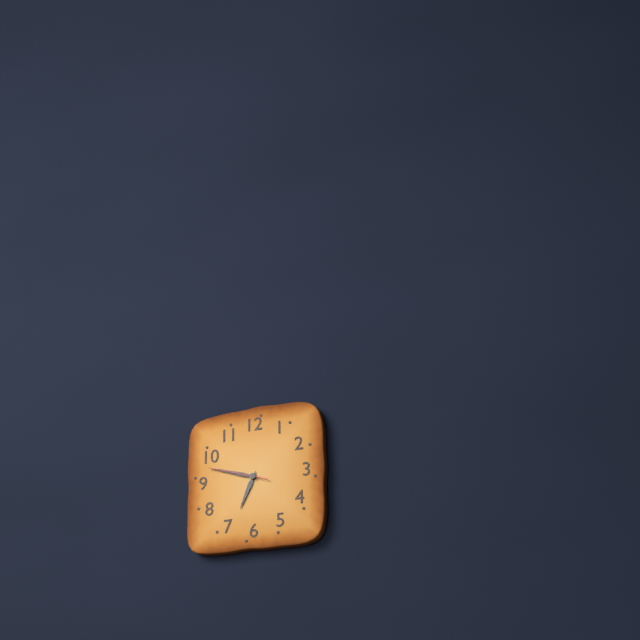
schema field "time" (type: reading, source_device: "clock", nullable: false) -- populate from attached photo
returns 6:48:48
